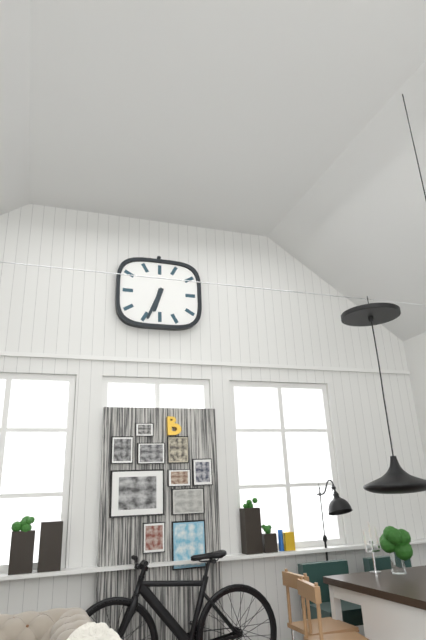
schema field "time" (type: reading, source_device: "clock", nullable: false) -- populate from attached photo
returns 6:34
